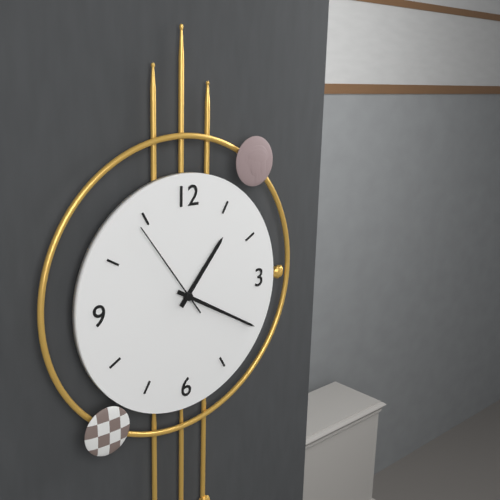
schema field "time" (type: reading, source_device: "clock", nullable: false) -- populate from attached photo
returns 1:20:54
